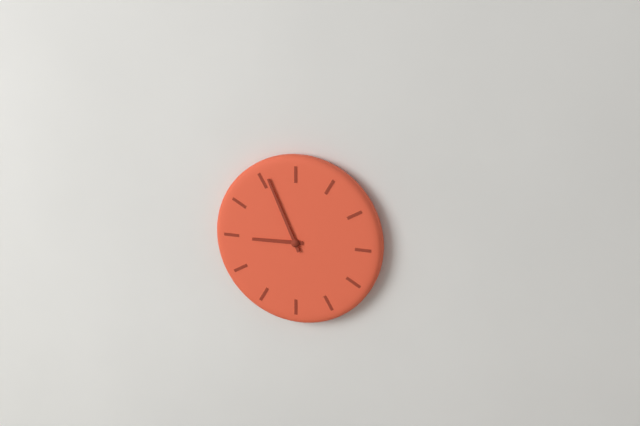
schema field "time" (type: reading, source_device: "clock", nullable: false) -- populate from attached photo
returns 8:56
